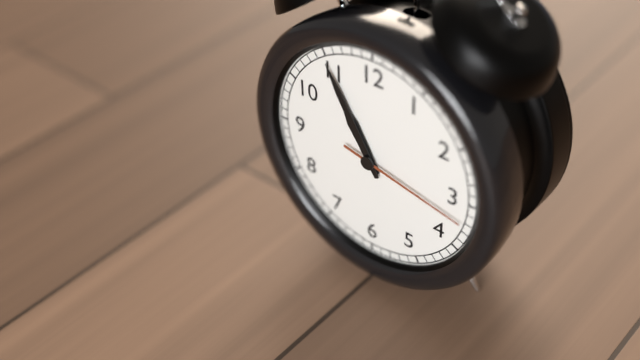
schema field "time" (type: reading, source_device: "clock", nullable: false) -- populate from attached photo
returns 10:55:17
